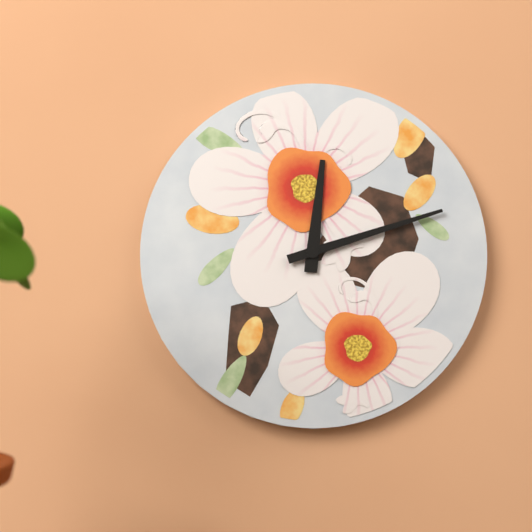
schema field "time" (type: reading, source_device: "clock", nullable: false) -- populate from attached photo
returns 12:12
